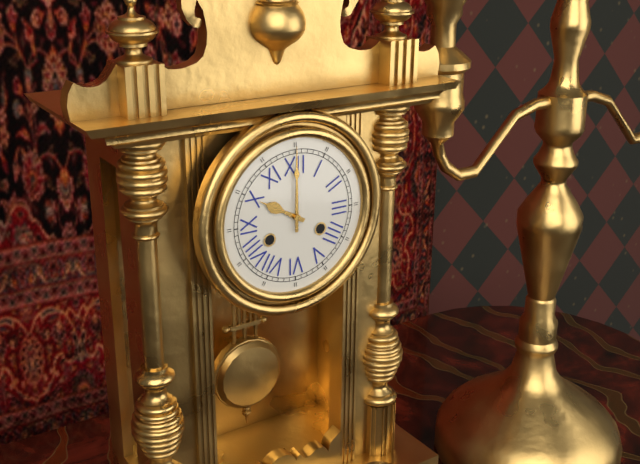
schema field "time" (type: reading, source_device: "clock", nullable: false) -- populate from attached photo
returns 10:00
